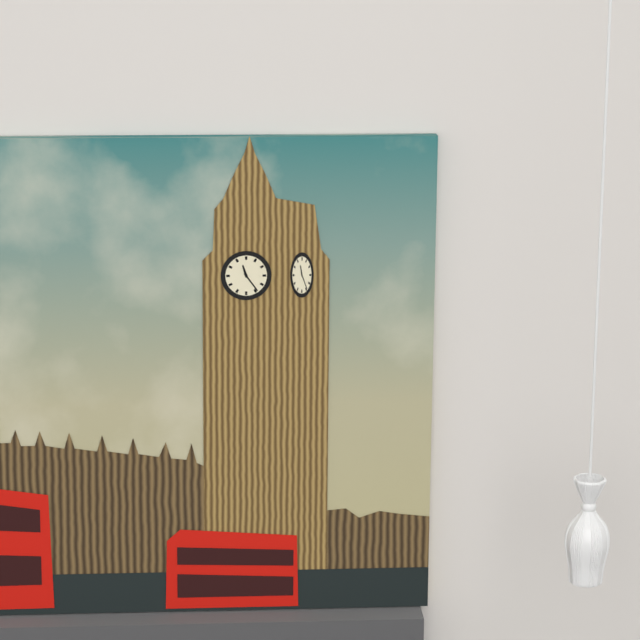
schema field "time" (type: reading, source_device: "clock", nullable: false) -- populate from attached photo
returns 11:24
